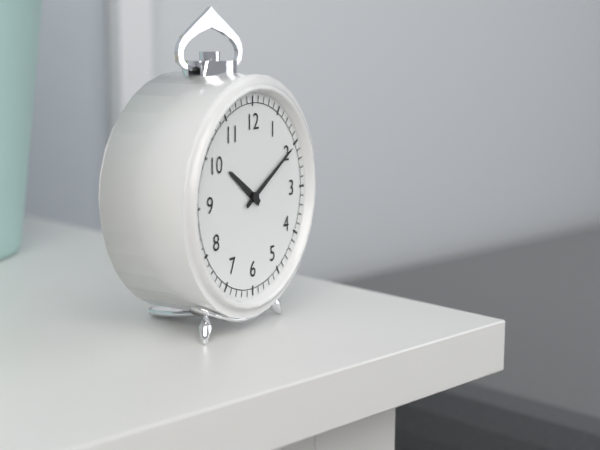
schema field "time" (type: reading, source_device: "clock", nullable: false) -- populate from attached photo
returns 10:10
